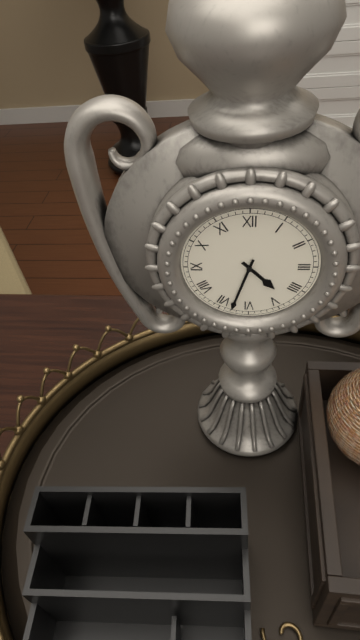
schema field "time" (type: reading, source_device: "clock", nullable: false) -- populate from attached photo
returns 4:33
